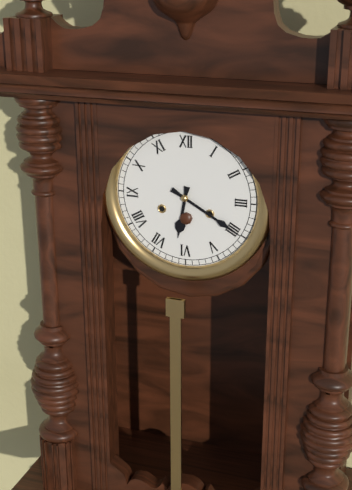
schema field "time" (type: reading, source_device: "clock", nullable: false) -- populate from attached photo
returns 6:20
